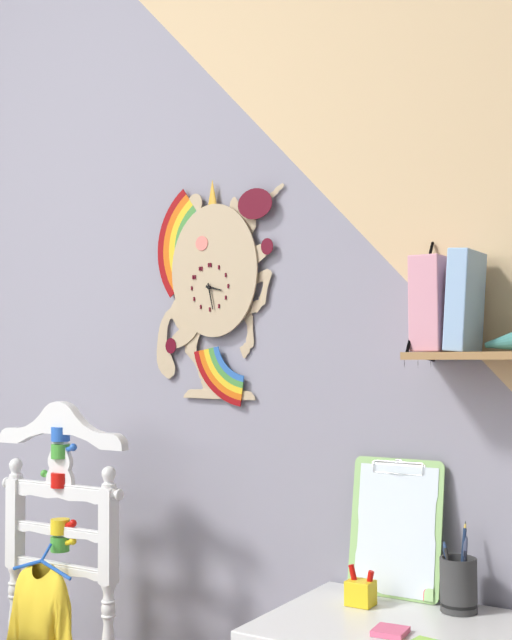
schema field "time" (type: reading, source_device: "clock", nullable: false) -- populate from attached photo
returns 3:28
